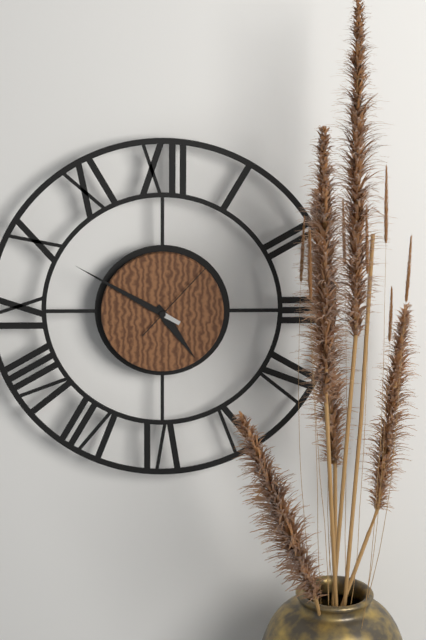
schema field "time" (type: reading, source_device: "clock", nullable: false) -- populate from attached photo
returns 4:50:07
